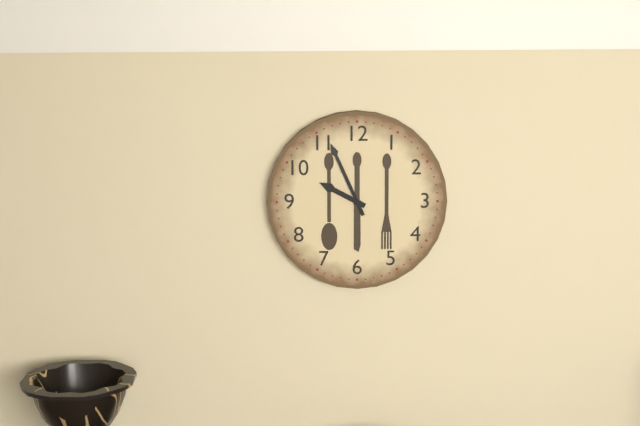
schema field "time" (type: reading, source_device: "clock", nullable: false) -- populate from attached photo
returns 9:56
